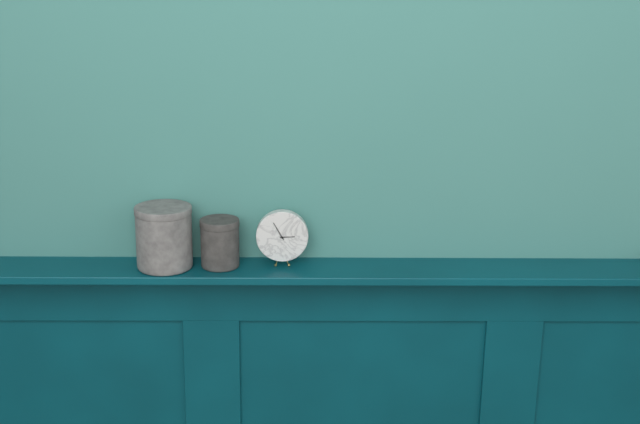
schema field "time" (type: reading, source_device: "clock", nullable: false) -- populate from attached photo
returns 2:55
